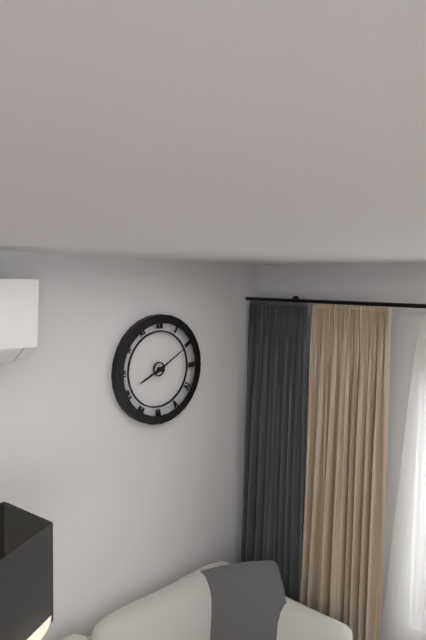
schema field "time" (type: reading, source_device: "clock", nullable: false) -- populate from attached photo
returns 8:10
